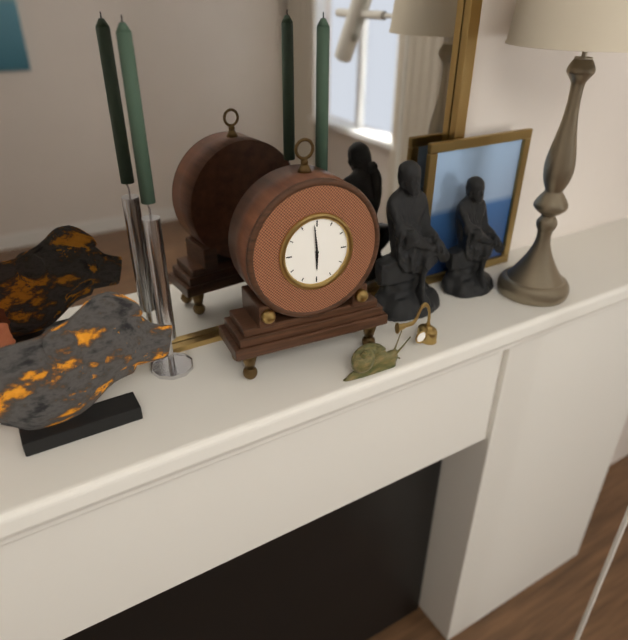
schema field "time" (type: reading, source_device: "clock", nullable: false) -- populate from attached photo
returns 5:59
